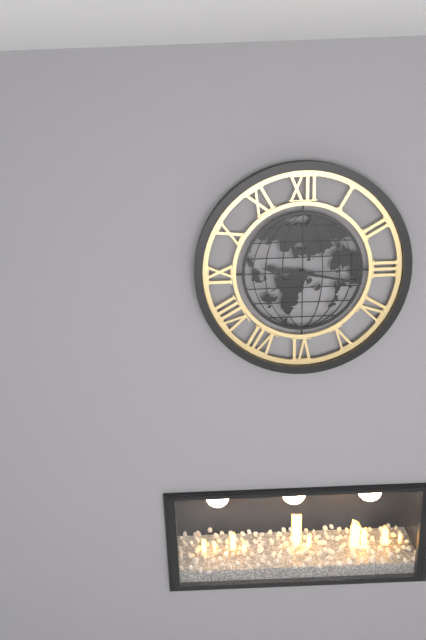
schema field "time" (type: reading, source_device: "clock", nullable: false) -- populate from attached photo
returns 9:17
